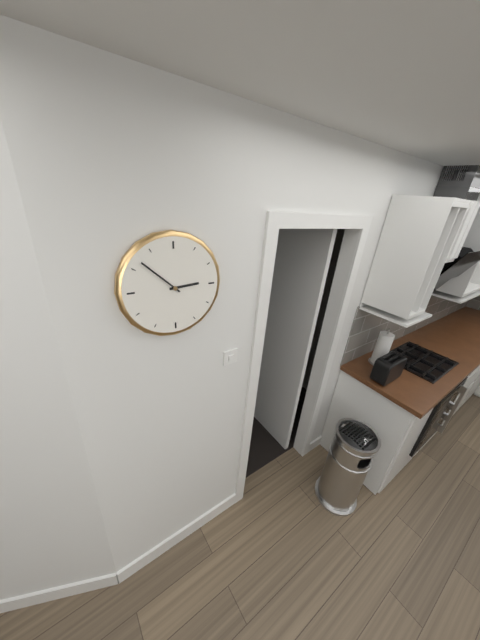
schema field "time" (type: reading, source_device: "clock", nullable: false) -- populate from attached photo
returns 2:52
